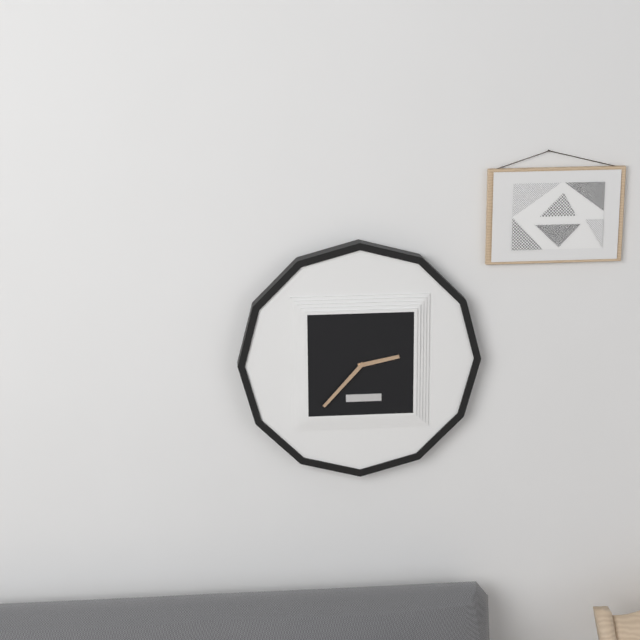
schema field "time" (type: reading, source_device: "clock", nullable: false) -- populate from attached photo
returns 2:37
